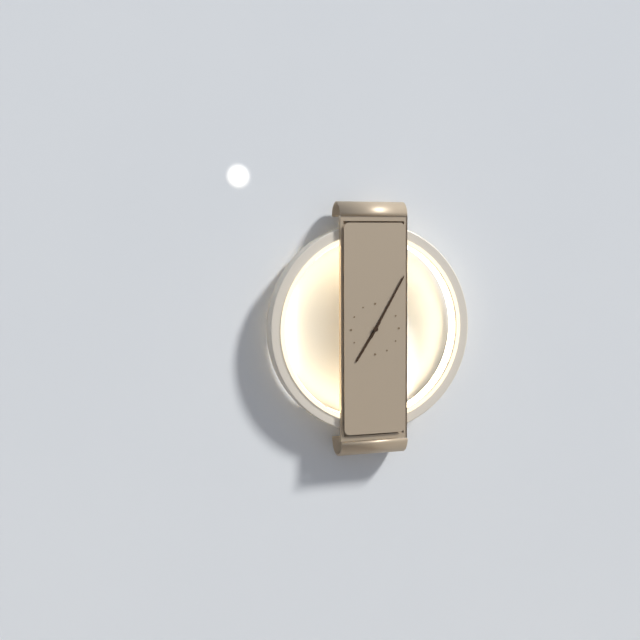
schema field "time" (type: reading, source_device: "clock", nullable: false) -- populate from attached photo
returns 7:05
